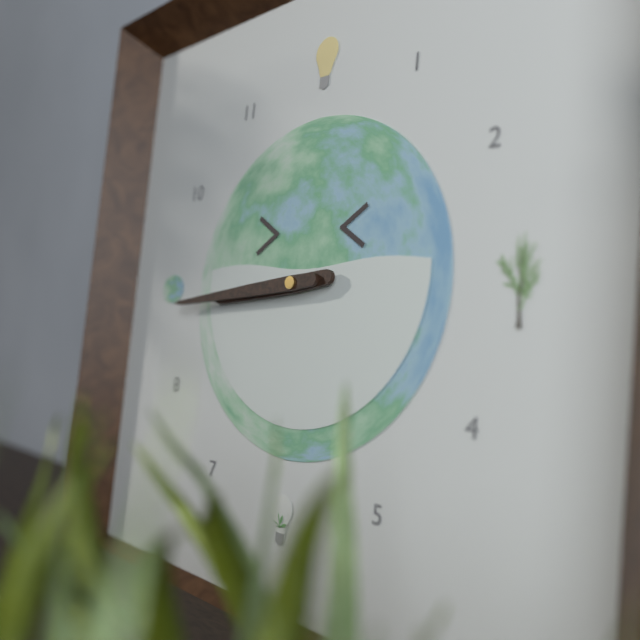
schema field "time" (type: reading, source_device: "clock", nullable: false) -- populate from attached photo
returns 8:44
